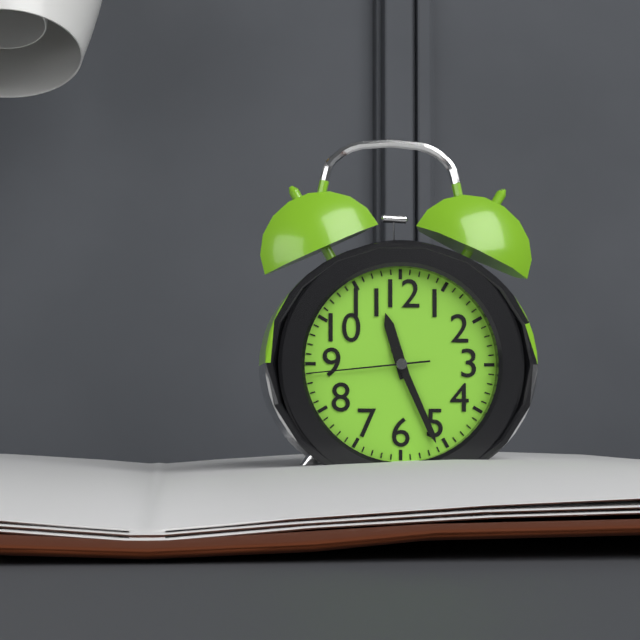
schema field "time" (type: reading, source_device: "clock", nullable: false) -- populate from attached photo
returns 11:26:44
